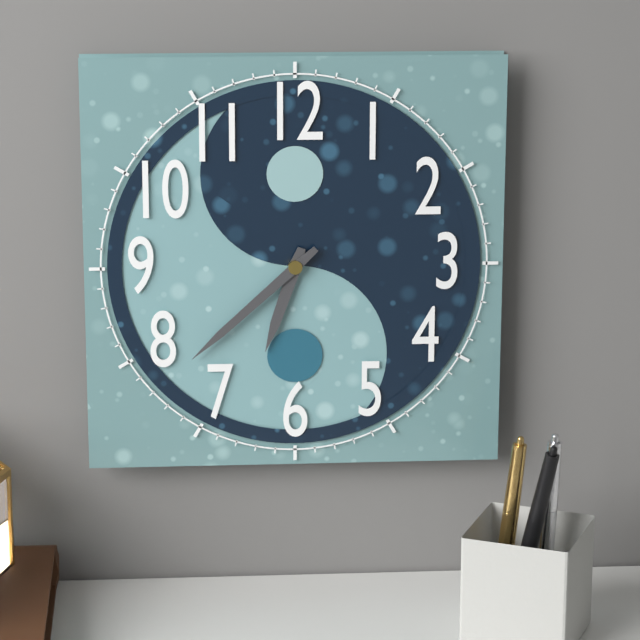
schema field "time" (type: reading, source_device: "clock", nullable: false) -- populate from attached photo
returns 6:38
